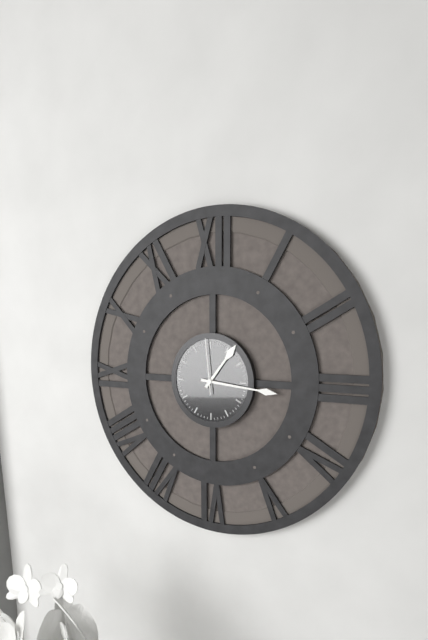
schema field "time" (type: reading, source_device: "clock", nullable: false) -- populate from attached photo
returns 1:16:59
